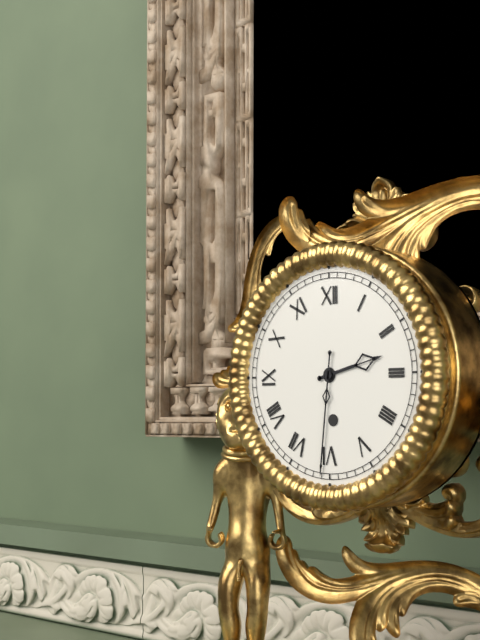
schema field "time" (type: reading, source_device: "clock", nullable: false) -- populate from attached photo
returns 2:31
